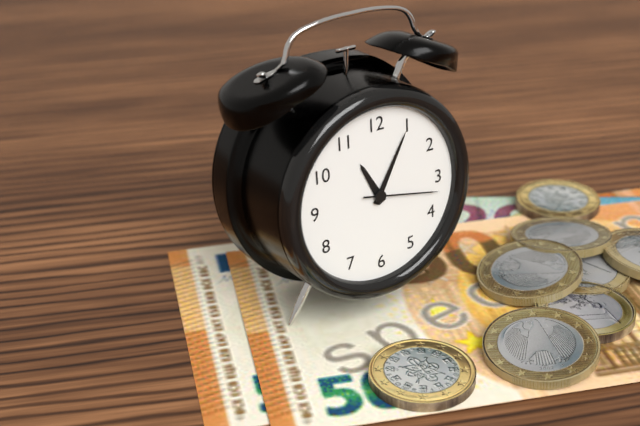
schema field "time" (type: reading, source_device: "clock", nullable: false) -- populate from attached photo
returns 11:05:17
